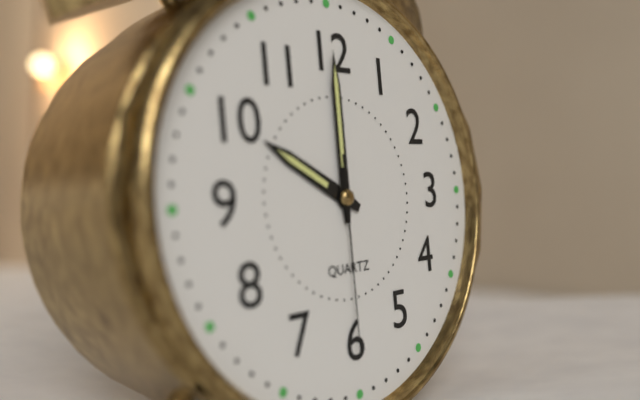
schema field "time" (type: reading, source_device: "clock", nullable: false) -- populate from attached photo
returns 10:00:30
